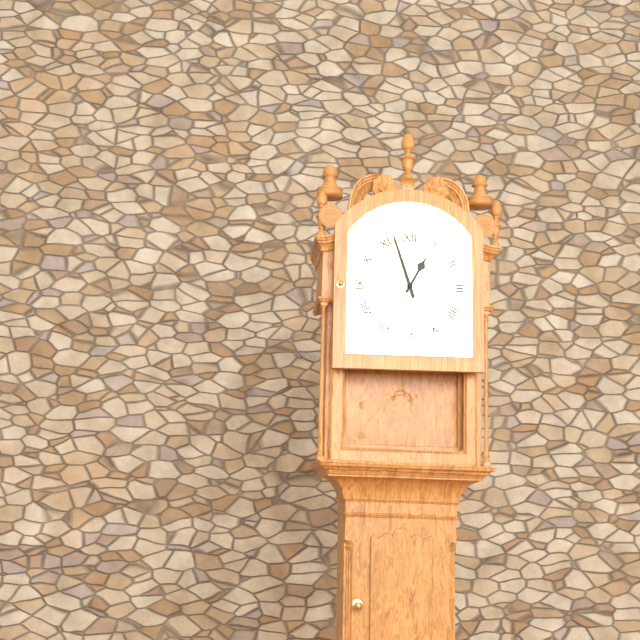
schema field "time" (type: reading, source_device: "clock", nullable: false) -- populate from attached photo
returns 12:57
